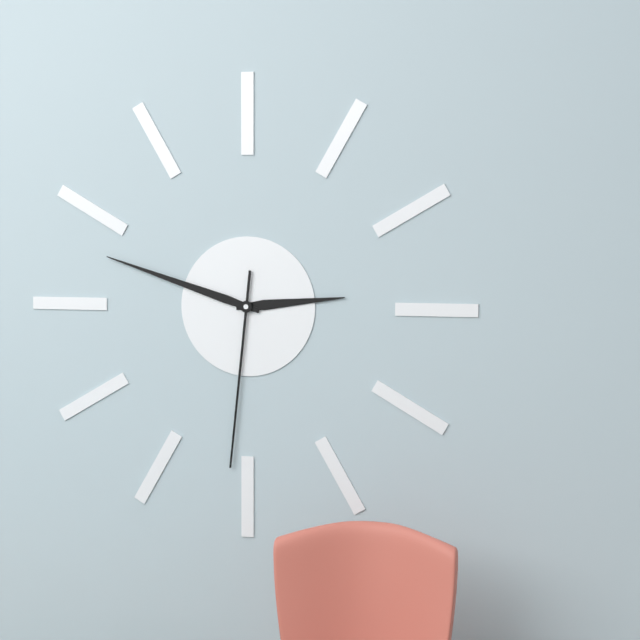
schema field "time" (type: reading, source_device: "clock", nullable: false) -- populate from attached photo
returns 2:48:31
